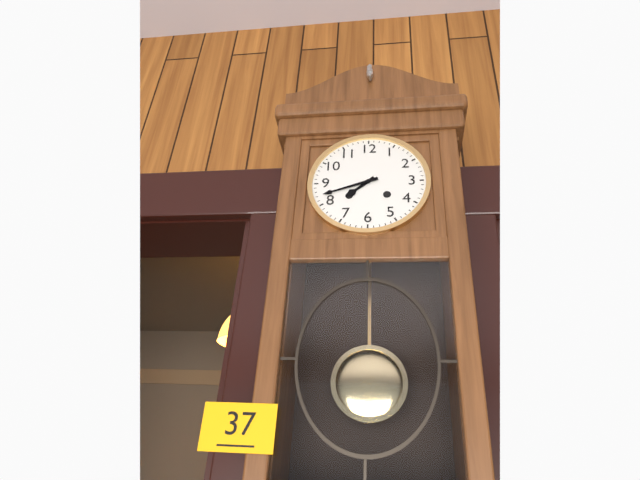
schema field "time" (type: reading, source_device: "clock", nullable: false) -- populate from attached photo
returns 7:42
